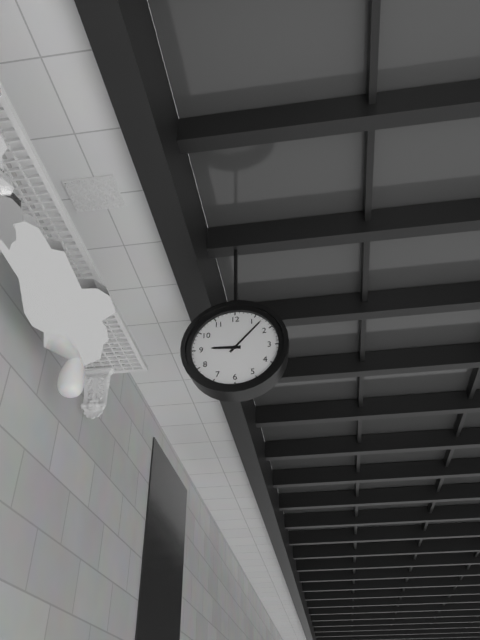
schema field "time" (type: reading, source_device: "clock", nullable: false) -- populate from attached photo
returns 9:07
